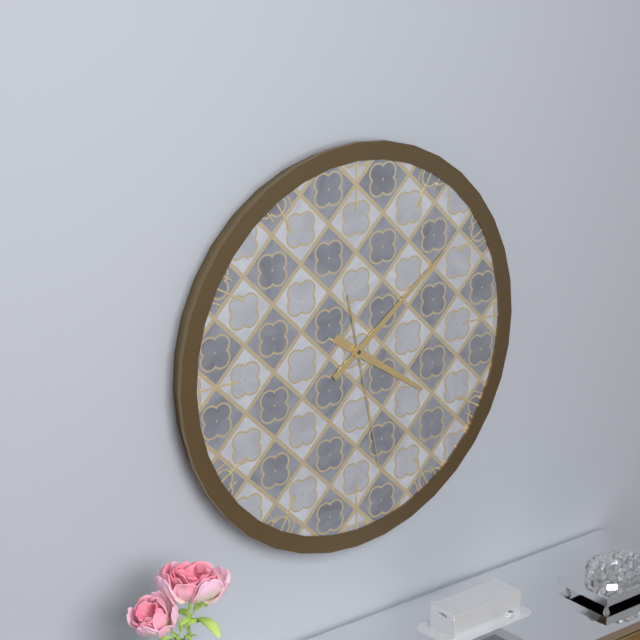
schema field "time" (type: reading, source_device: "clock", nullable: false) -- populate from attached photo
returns 4:09:28
